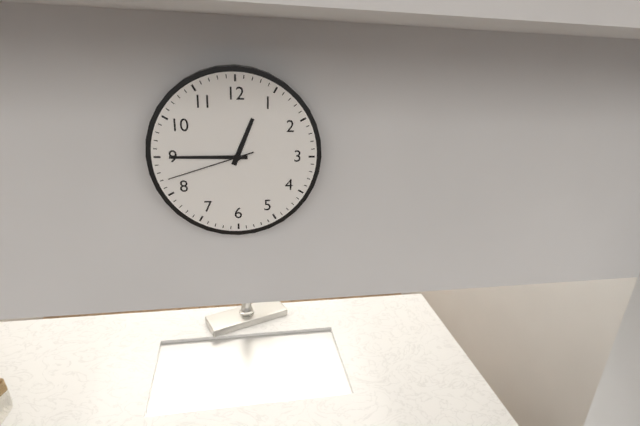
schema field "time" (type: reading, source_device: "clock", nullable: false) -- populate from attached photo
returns 12:45:42
